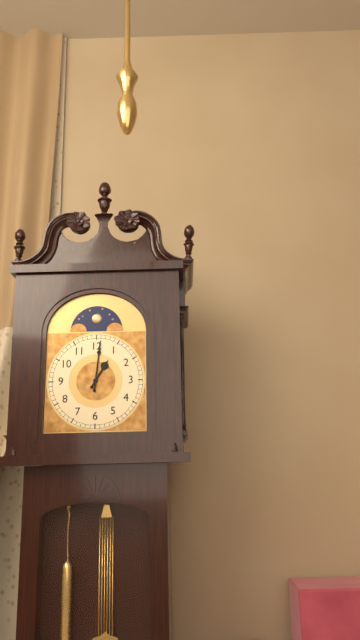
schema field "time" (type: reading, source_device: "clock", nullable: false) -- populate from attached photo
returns 1:01
